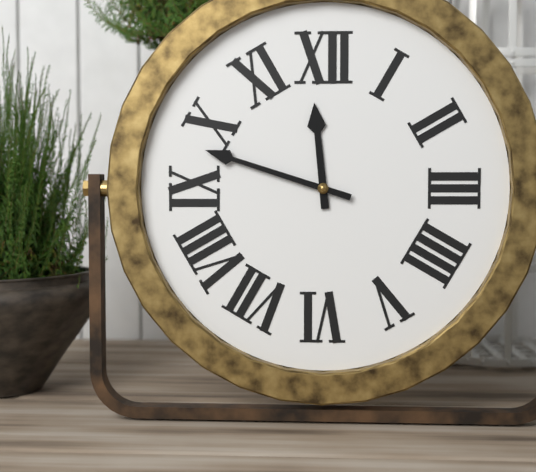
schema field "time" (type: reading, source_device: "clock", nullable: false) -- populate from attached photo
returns 11:48
